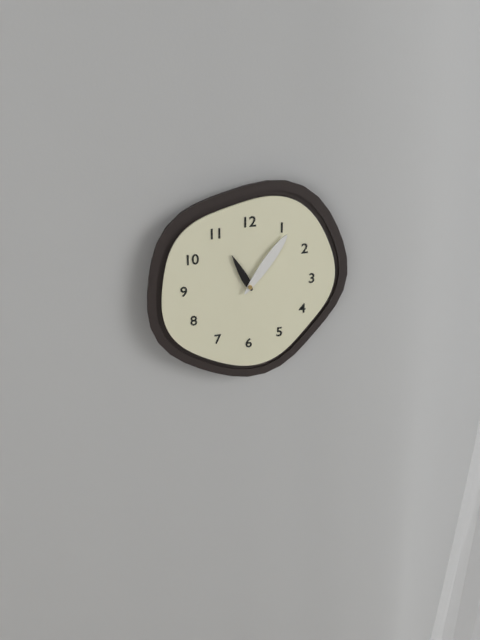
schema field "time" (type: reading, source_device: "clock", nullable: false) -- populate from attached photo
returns 11:06
